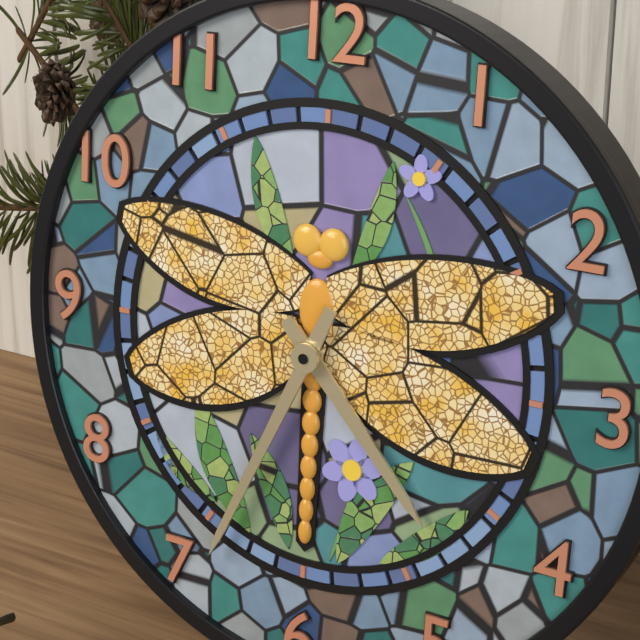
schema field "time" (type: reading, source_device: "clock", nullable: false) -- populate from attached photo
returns 4:34
